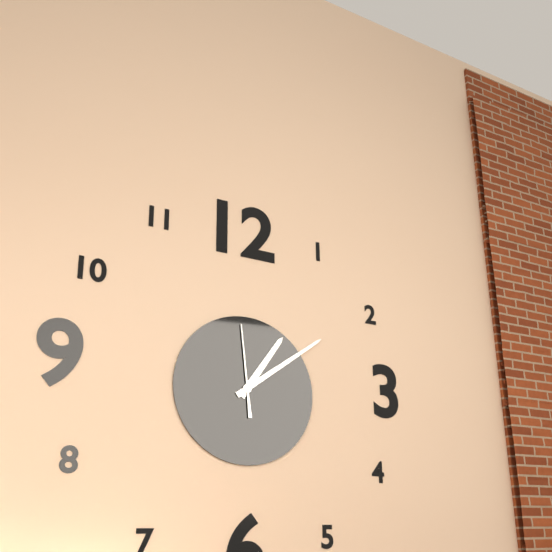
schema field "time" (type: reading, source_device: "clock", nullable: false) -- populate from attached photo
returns 1:09:59
